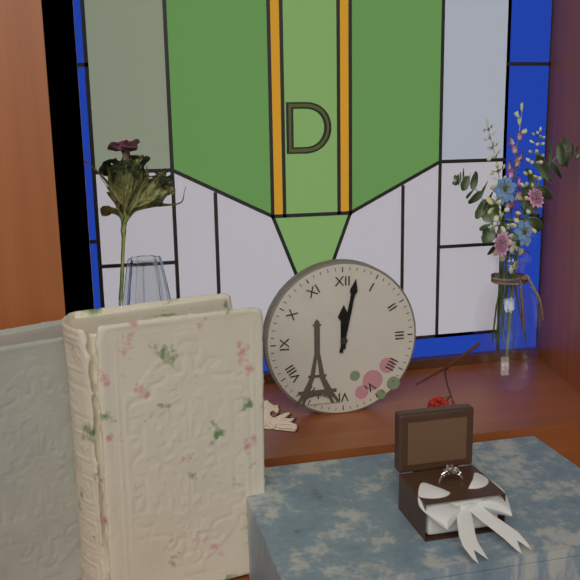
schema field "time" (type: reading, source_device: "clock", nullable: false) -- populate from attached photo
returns 12:02
